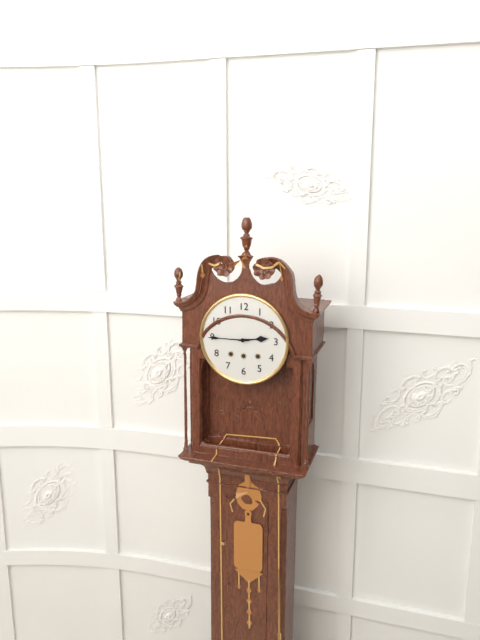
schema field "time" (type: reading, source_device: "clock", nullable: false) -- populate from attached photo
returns 2:45
